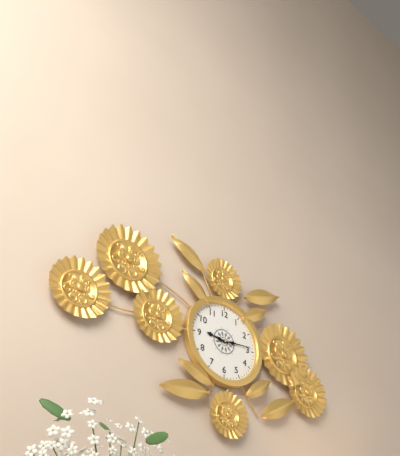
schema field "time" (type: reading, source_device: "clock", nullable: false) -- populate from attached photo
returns 9:14
